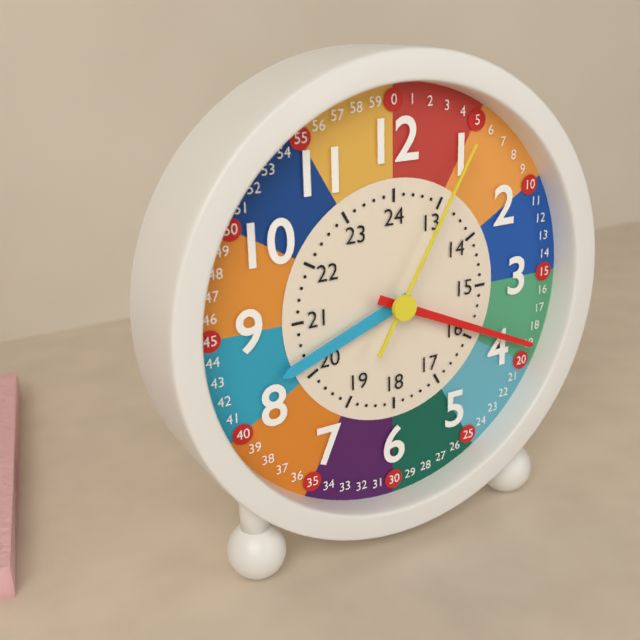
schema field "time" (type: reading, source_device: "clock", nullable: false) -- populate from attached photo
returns 8:19:05
